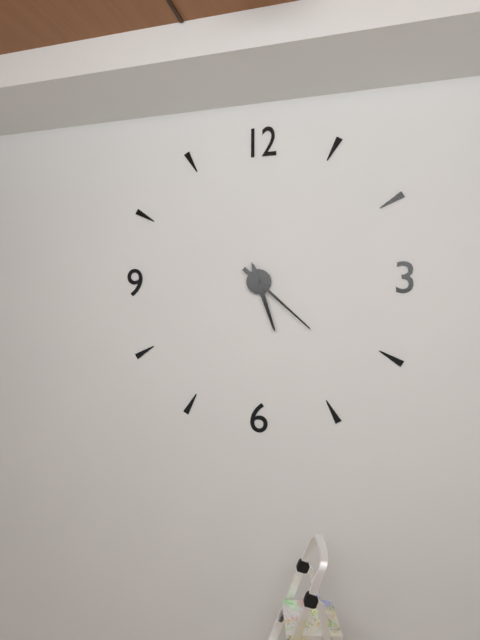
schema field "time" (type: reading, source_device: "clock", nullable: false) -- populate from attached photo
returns 5:22
